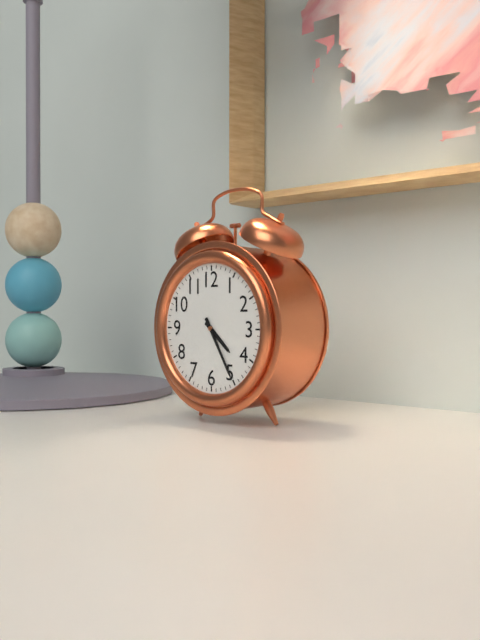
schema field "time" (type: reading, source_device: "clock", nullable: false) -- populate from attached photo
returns 4:25
